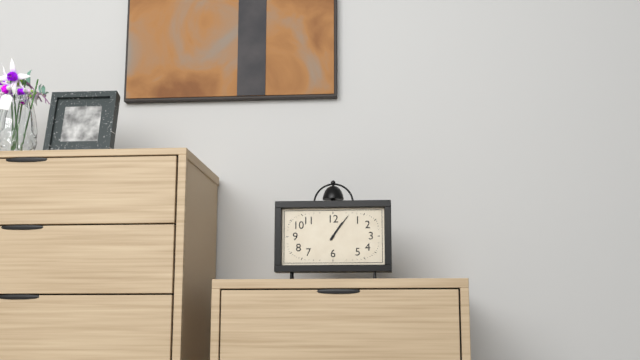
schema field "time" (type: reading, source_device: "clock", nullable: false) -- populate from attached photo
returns 1:06
